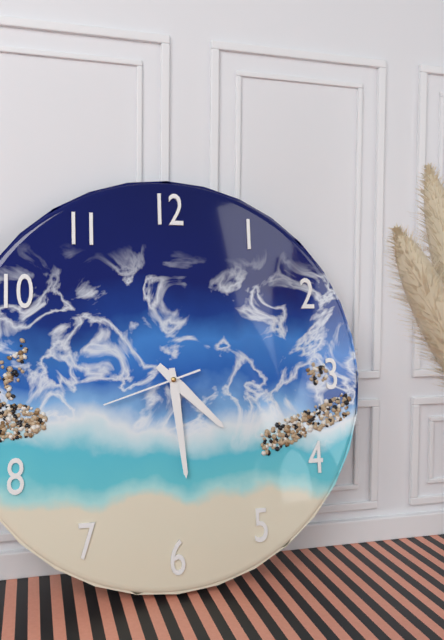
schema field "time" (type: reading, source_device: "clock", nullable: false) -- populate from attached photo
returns 4:29:42
